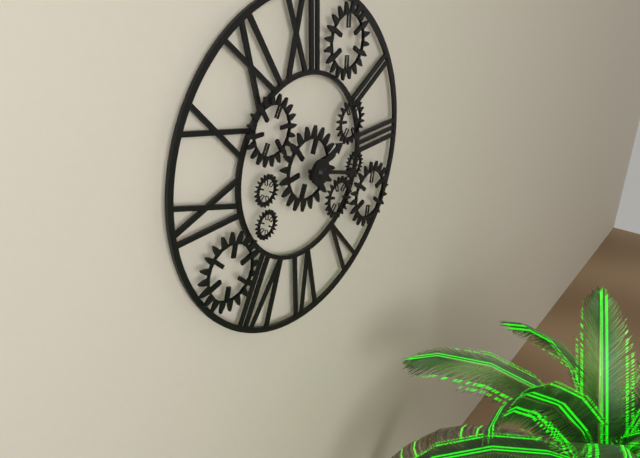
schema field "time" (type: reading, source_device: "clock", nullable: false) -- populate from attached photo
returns 2:18
